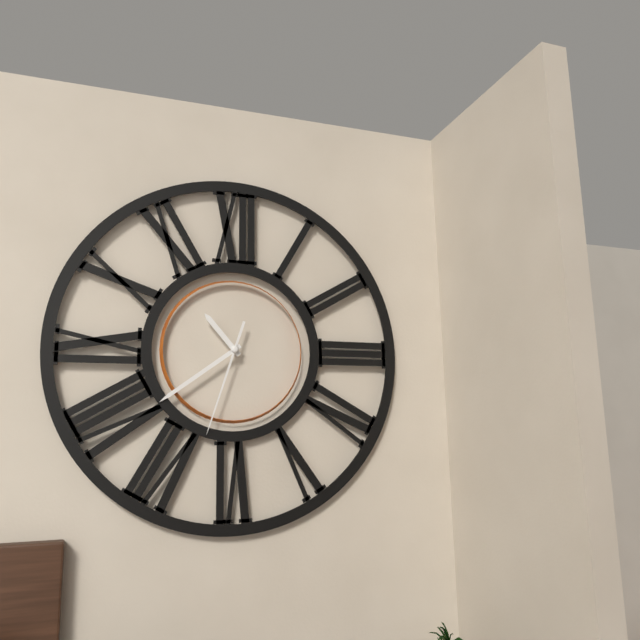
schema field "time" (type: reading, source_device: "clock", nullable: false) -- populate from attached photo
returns 10:39:33
